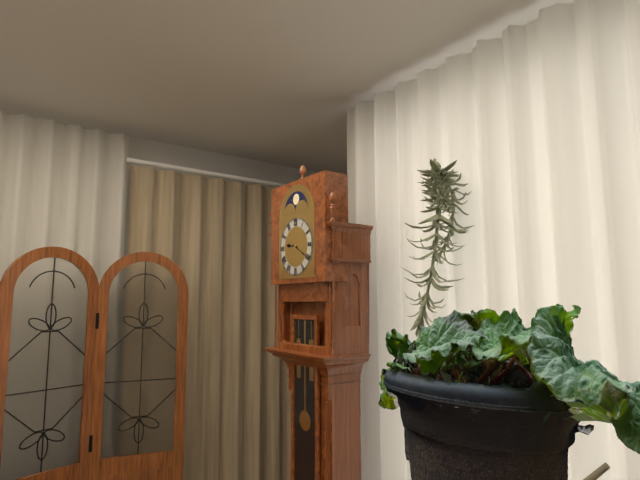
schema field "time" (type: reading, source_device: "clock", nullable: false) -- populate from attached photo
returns 9:20
